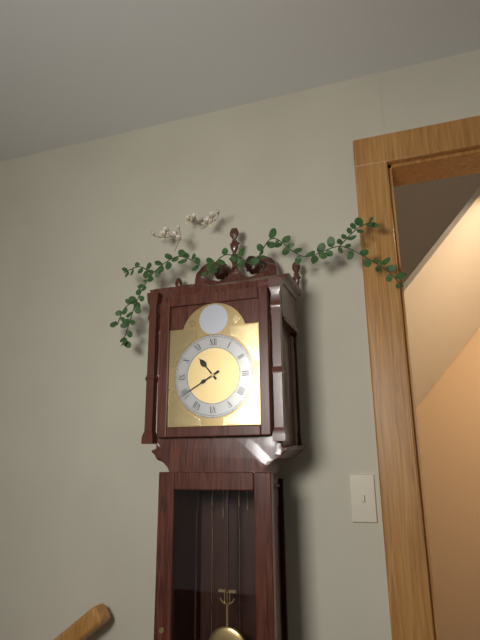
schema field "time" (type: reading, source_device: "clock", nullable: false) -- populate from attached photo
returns 10:40
